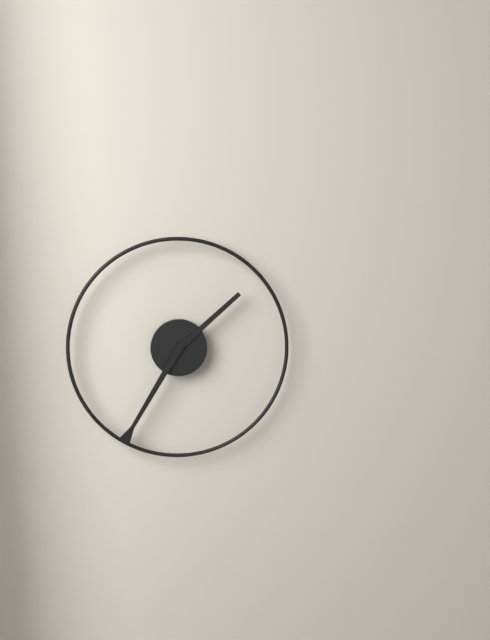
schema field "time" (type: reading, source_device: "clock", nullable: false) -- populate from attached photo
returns 1:35
